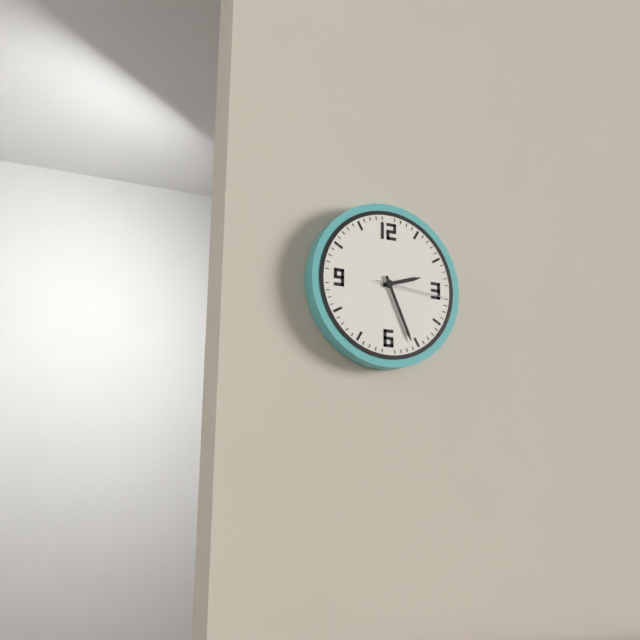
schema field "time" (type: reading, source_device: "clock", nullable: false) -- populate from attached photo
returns 2:26:16
